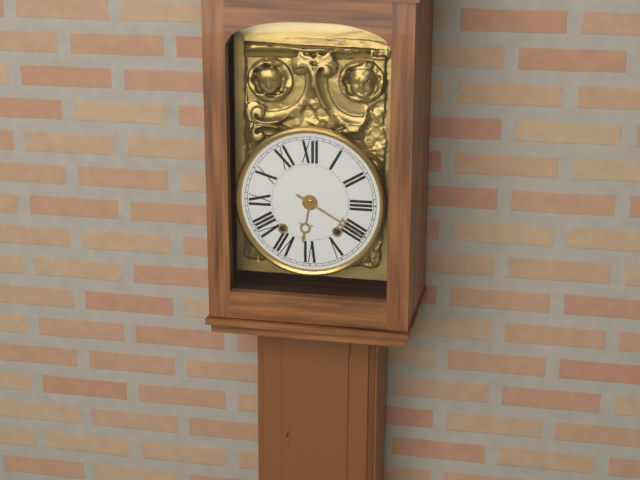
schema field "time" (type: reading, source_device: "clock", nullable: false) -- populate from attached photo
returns 6:20
